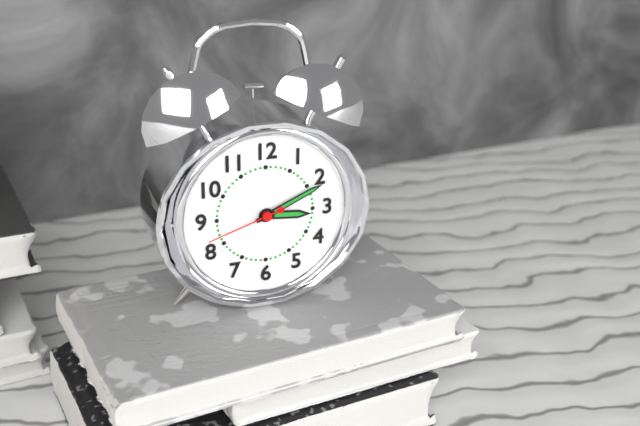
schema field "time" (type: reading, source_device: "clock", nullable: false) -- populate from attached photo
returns 3:11:42
